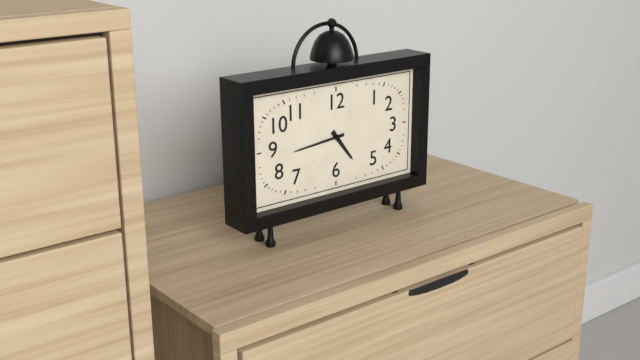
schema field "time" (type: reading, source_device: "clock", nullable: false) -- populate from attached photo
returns 4:44
